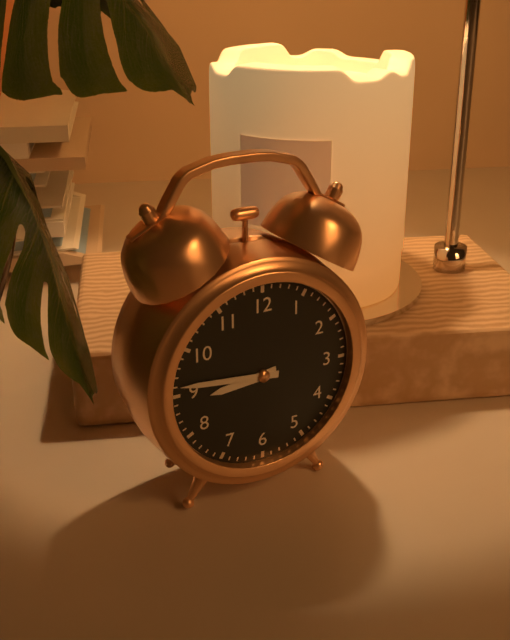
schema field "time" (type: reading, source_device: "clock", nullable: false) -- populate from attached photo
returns 8:46
